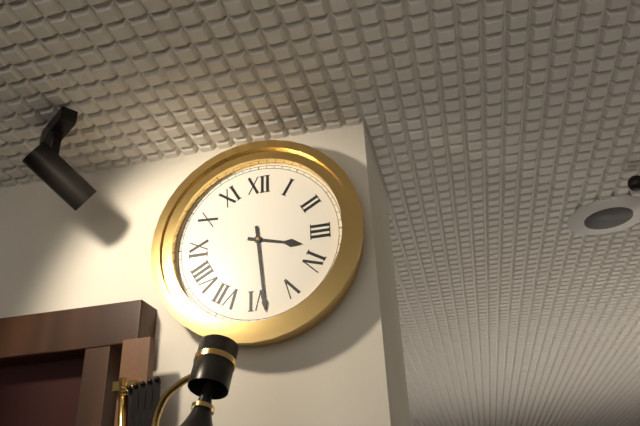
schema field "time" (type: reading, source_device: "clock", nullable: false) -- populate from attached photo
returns 3:29
